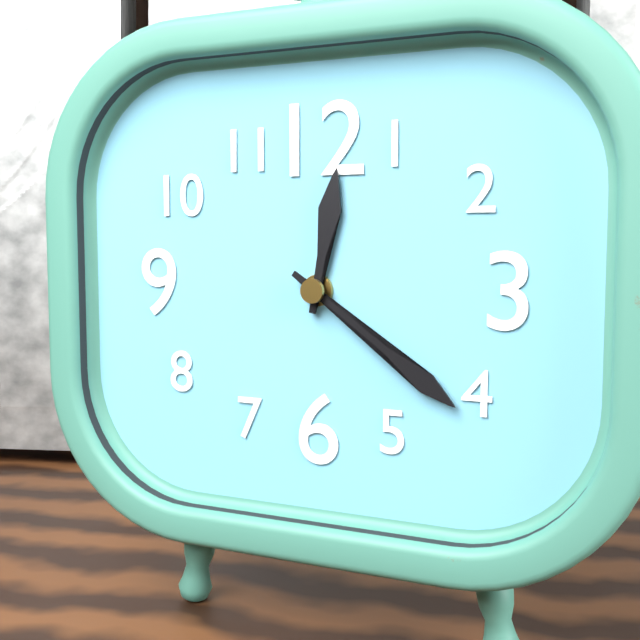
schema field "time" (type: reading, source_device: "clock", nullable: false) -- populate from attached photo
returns 12:21
